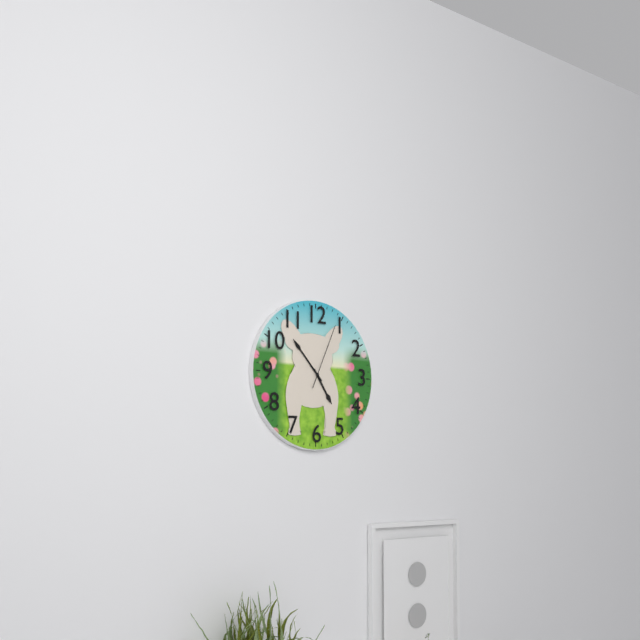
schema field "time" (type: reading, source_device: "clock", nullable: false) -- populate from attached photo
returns 4:53:04
